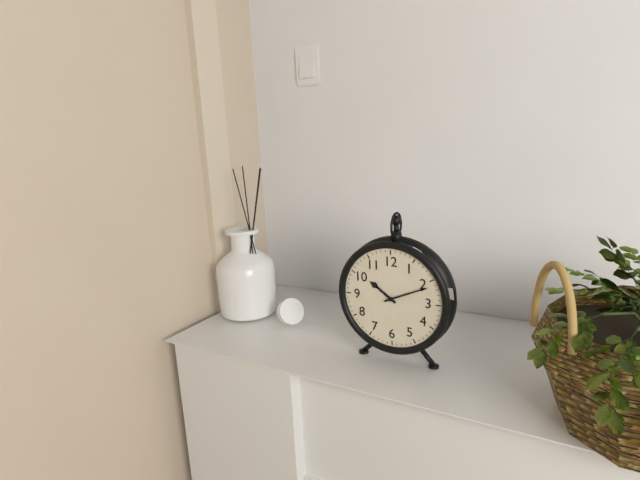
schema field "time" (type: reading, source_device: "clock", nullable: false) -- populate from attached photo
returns 10:11
